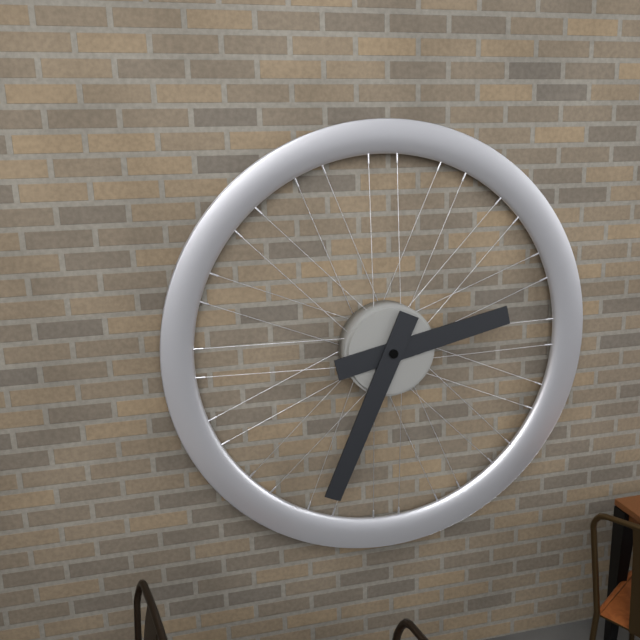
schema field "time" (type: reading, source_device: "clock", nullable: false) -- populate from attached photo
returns 2:34
